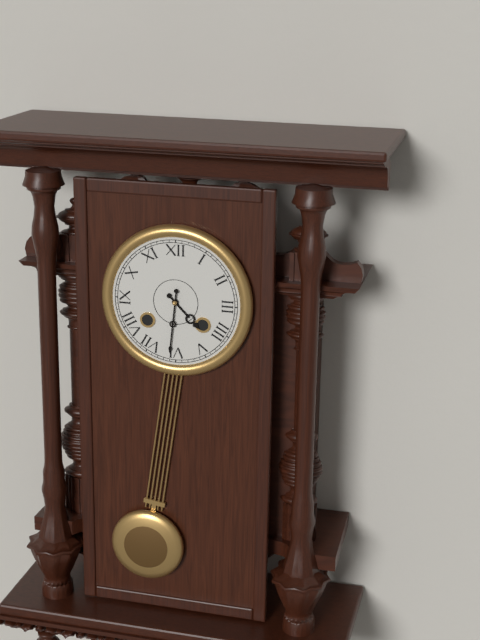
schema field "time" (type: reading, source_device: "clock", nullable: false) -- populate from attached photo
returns 4:31
